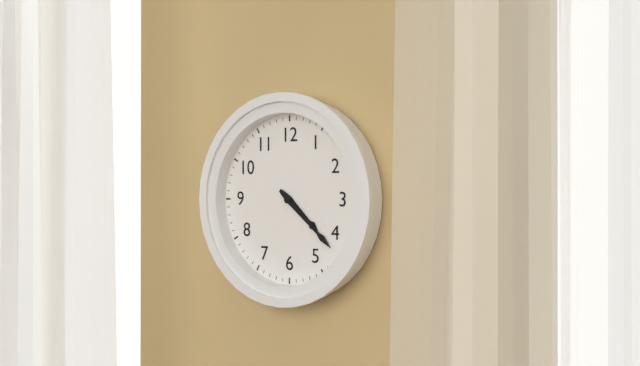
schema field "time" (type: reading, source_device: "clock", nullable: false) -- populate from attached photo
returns 4:22
